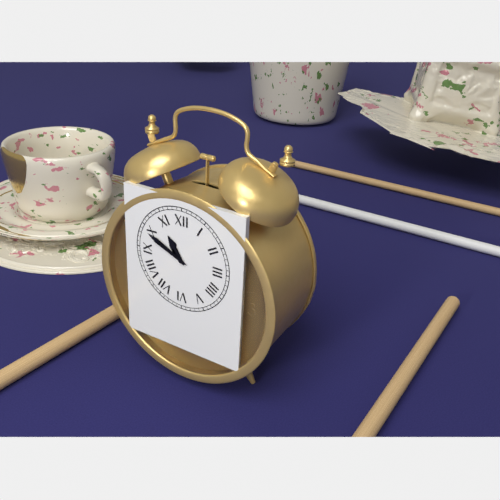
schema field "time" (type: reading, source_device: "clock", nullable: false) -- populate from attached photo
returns 10:49
